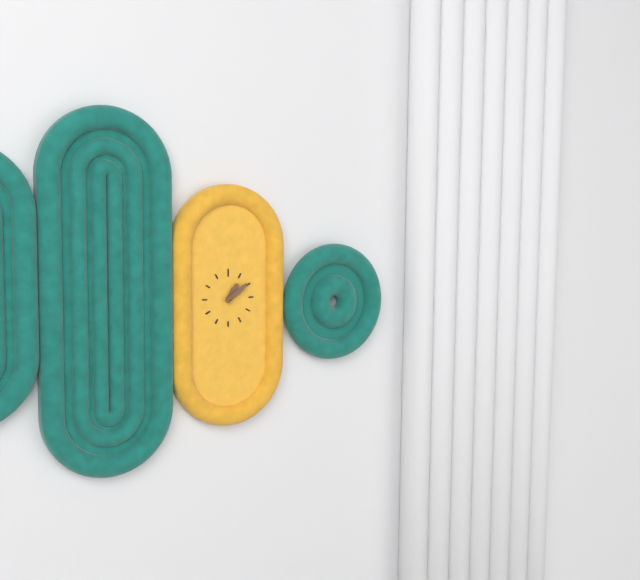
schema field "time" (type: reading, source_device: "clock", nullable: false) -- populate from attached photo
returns 1:09
